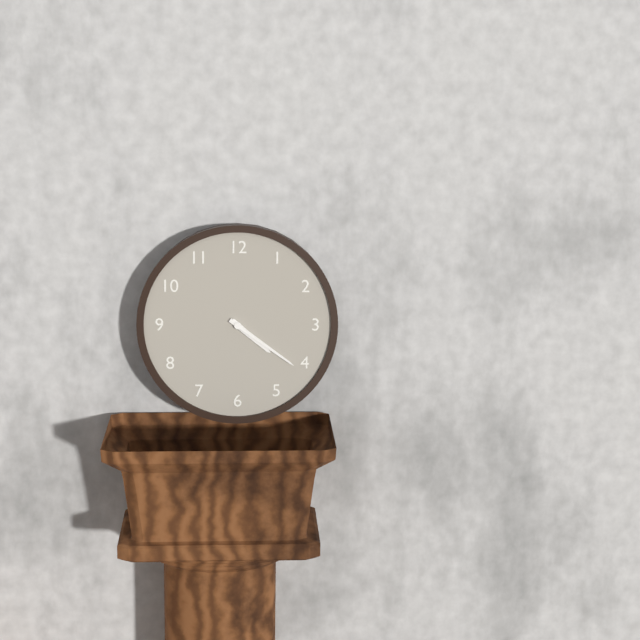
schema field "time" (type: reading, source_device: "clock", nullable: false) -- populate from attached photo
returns 4:21
